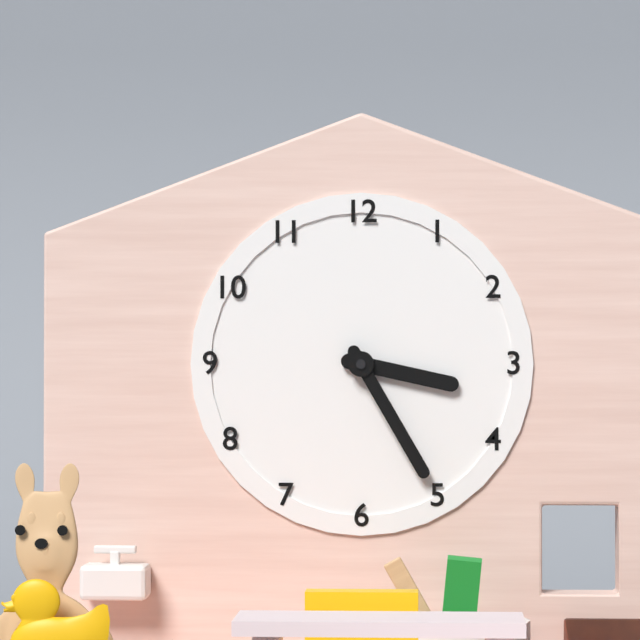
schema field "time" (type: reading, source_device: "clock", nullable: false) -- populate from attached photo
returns 3:25
